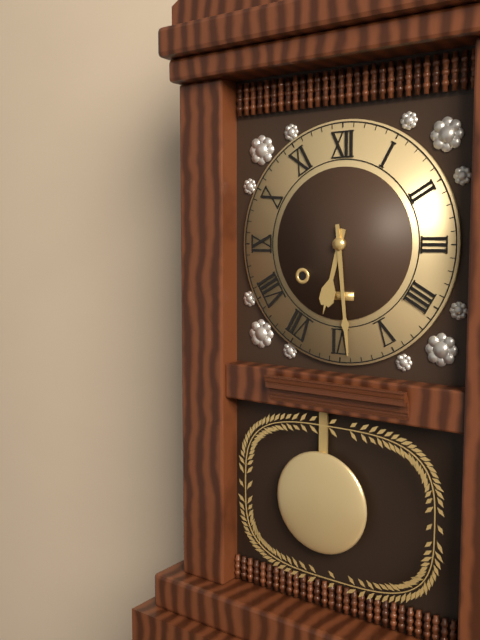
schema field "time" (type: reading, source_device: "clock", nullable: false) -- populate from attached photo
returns 6:29
